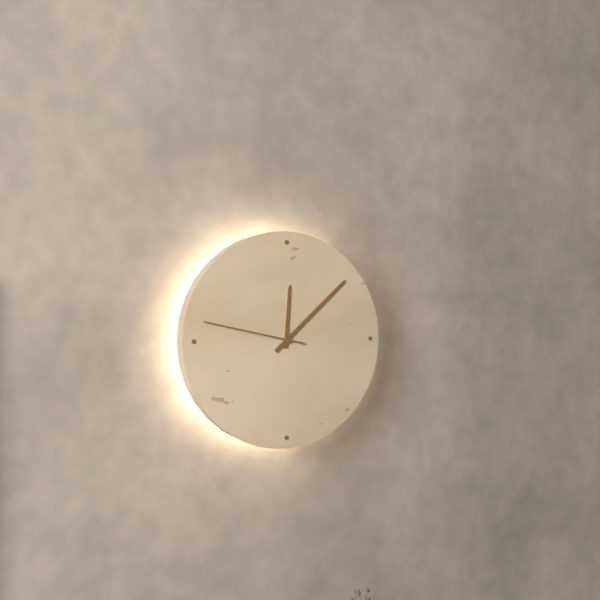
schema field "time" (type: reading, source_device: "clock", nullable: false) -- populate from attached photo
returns 12:08:47
